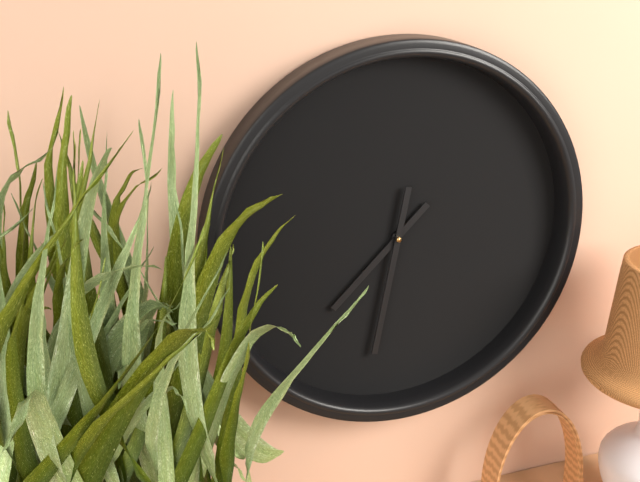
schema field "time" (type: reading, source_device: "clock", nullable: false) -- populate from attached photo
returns 7:32
